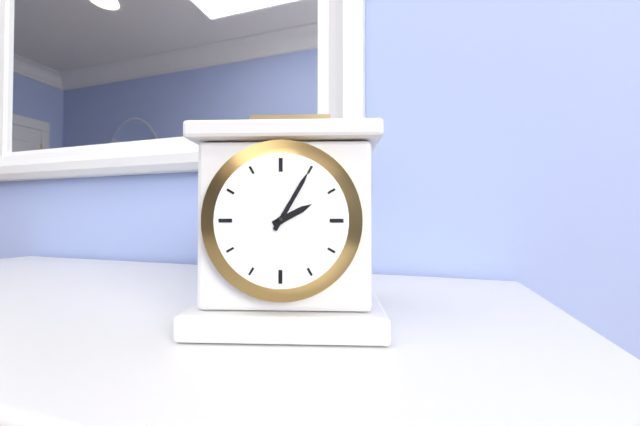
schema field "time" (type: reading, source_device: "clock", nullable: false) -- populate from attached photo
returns 2:05
